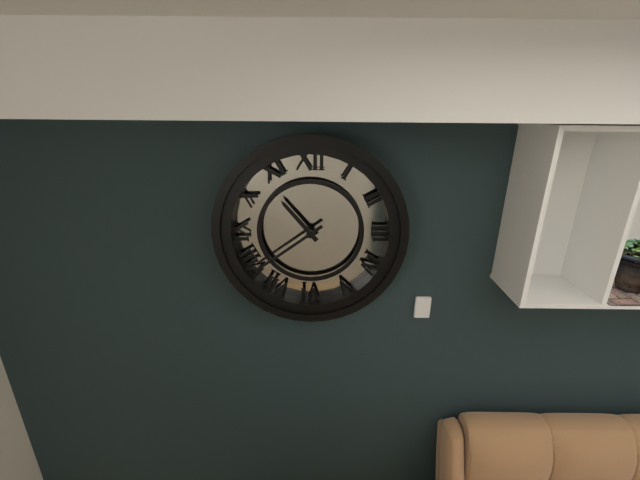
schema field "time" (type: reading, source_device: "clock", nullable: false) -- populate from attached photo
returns 10:39
